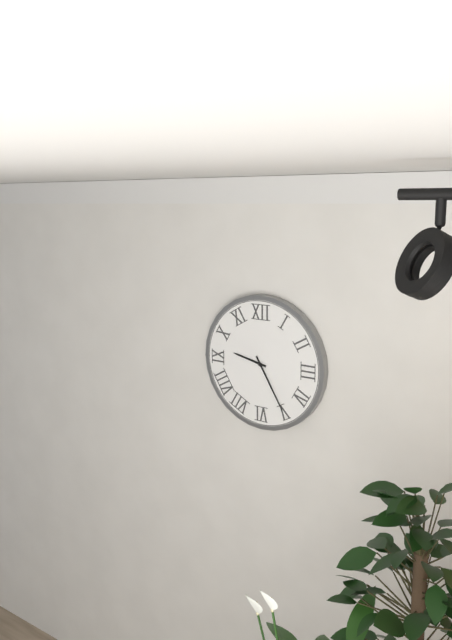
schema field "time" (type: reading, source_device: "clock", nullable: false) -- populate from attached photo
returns 9:25
